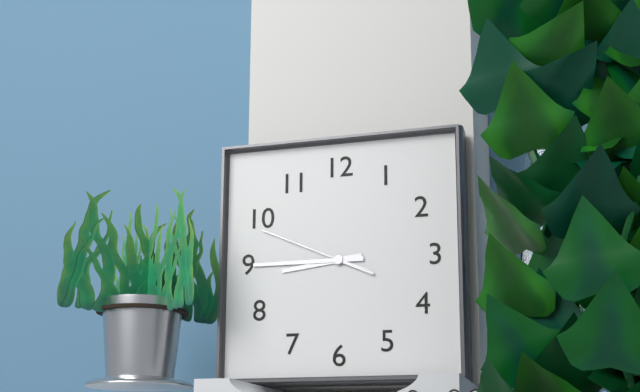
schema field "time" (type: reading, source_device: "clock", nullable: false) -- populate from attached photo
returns 8:45:49
